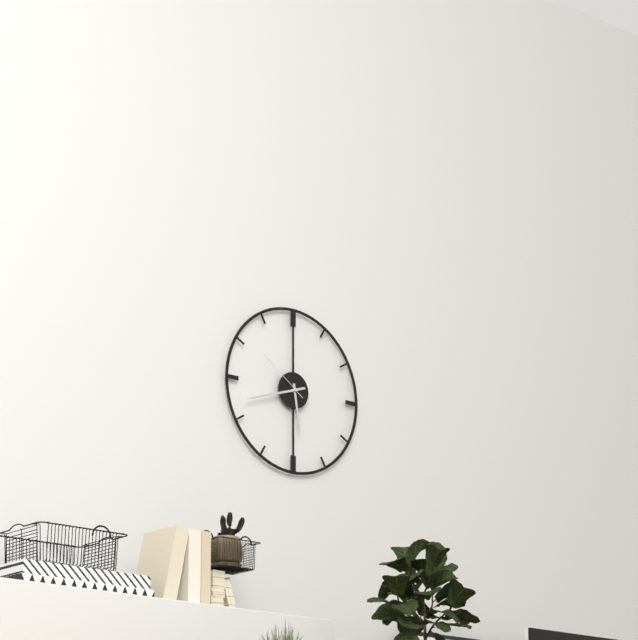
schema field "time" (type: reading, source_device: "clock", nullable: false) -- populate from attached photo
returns 5:42:51
